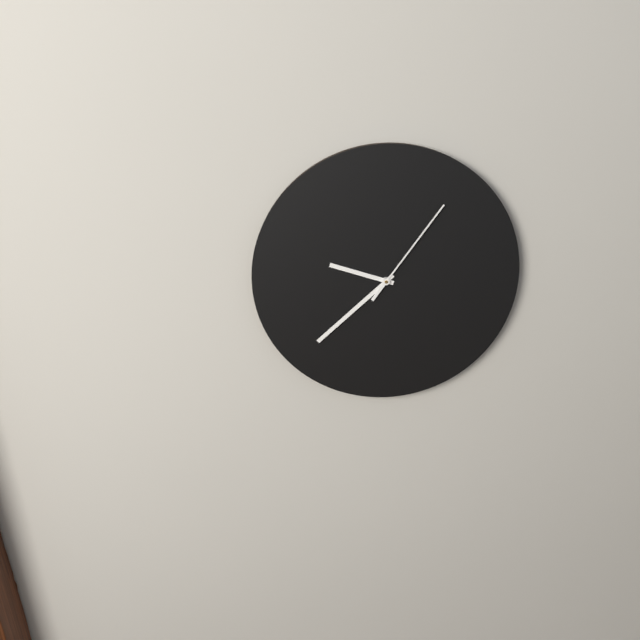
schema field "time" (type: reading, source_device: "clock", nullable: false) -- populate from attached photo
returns 9:38:06
